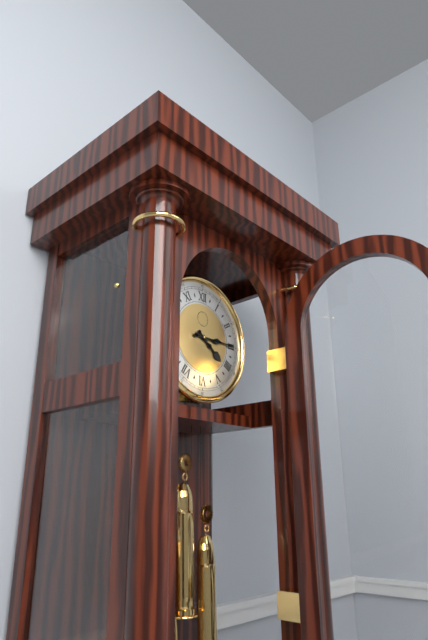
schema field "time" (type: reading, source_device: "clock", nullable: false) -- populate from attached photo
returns 4:15
